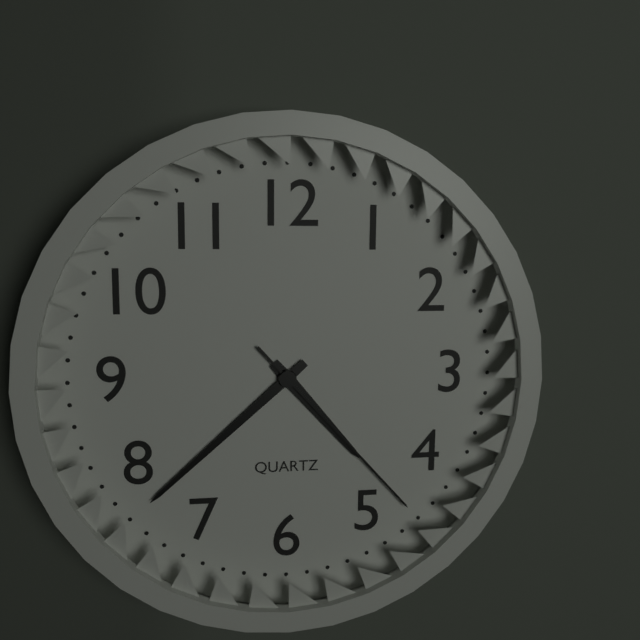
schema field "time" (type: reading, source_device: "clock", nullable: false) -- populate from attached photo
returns 4:38:23
